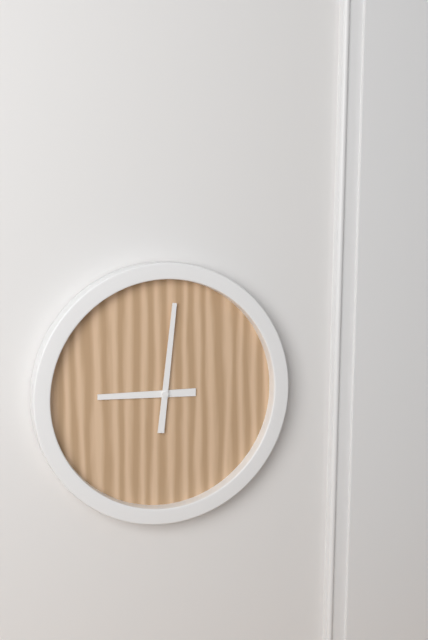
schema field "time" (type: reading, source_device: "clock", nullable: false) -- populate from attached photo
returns 9:01
